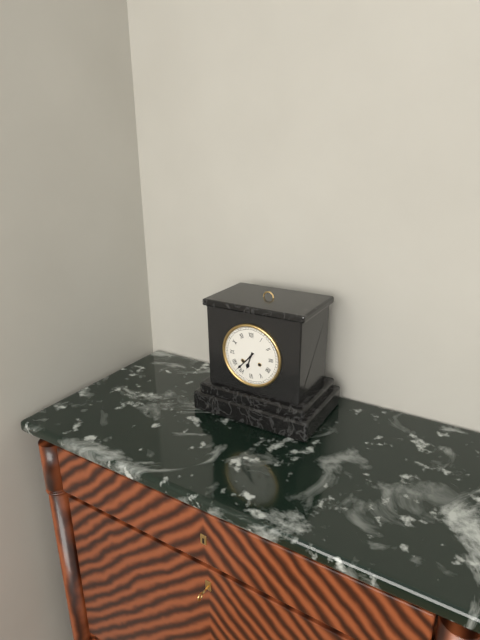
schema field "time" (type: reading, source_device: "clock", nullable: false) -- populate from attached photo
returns 6:37
